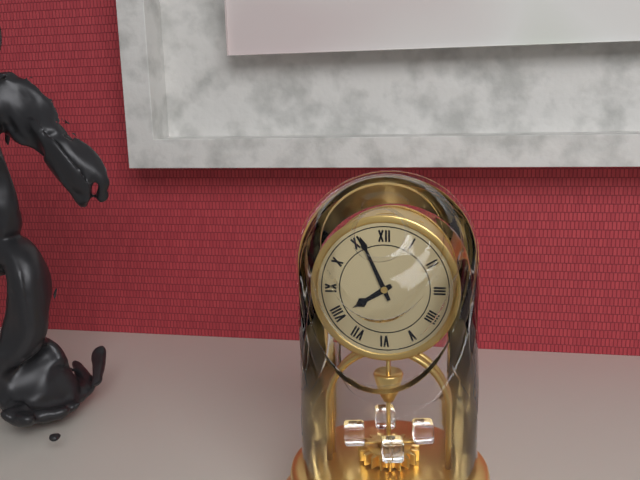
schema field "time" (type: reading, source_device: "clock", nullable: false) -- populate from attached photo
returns 7:56
